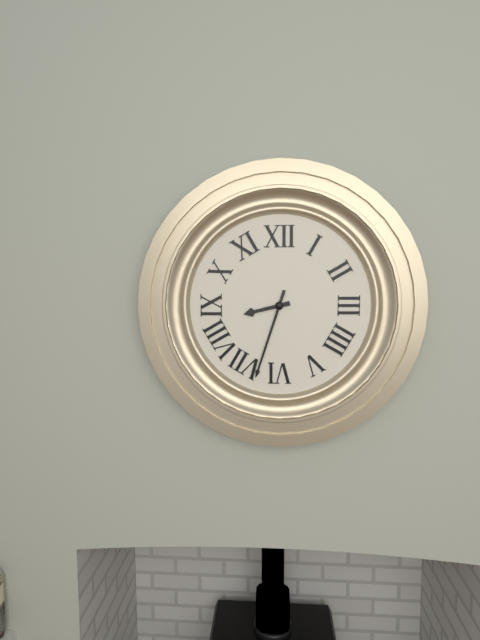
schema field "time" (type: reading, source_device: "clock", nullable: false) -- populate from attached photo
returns 8:33
